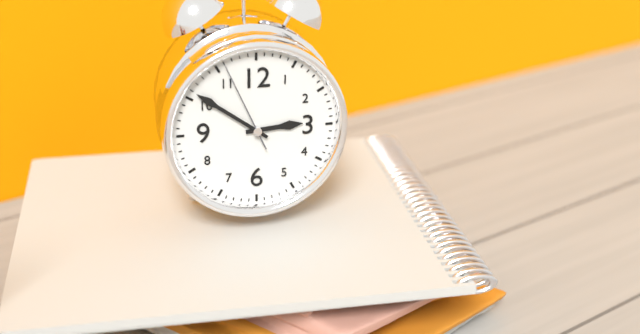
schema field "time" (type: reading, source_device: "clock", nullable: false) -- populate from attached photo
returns 2:51:56
